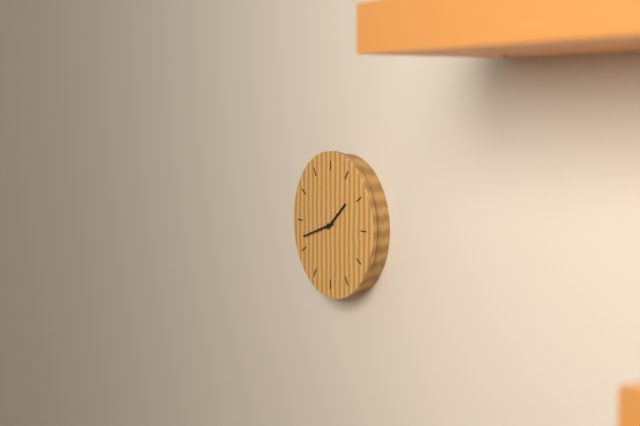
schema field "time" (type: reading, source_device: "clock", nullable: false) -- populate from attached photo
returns 1:42
